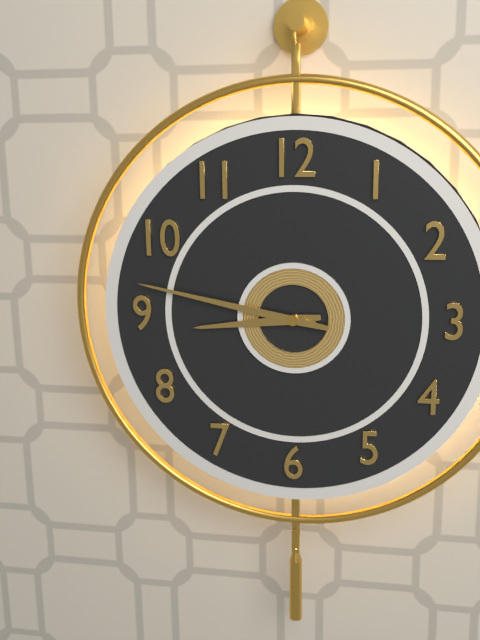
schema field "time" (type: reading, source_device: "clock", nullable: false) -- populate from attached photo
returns 8:47
